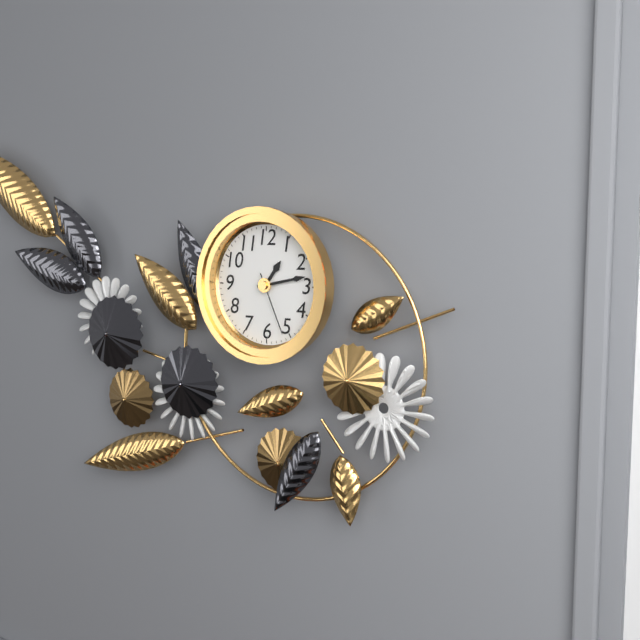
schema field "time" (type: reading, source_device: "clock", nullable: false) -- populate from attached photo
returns 1:13:26
